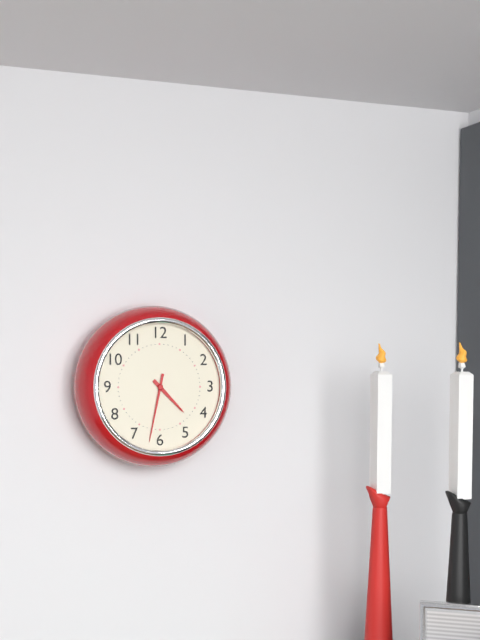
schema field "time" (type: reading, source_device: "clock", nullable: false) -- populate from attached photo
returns 4:32
